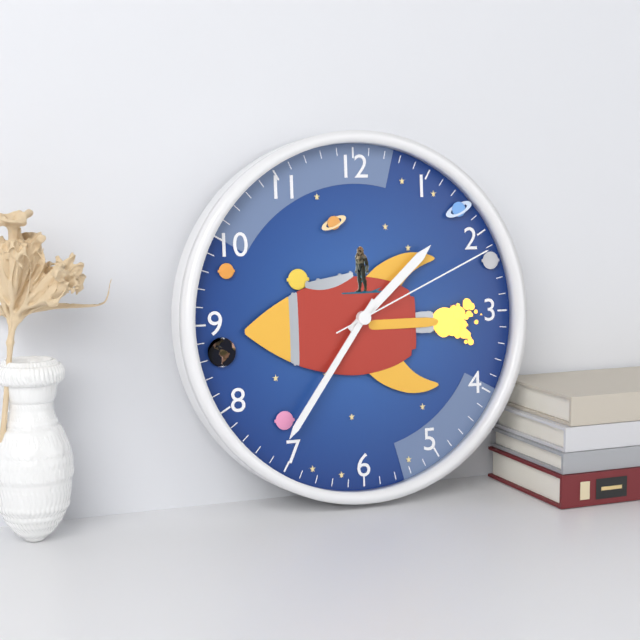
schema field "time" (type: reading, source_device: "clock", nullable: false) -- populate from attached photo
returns 1:36:11
